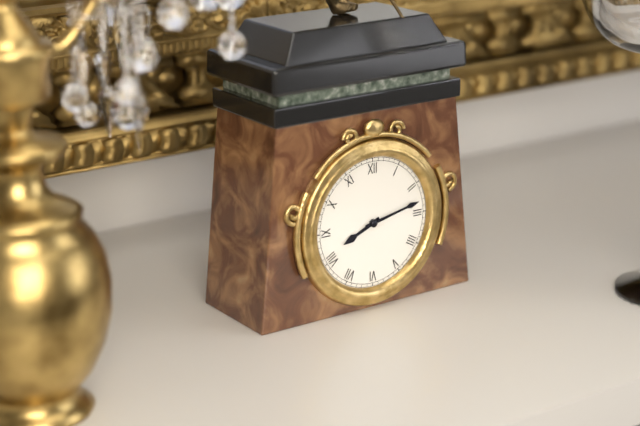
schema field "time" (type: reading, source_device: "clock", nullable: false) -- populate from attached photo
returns 8:13
